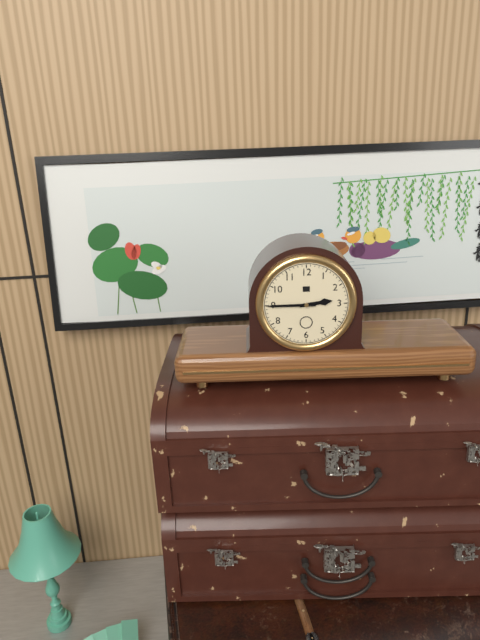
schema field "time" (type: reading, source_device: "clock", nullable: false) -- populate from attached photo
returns 2:45
